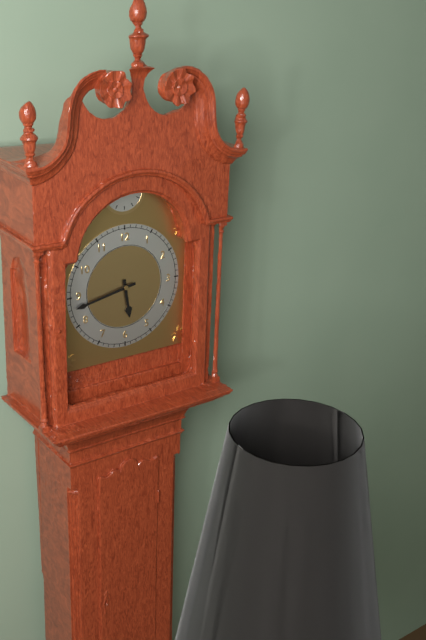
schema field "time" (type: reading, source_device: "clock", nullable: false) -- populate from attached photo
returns 5:43
